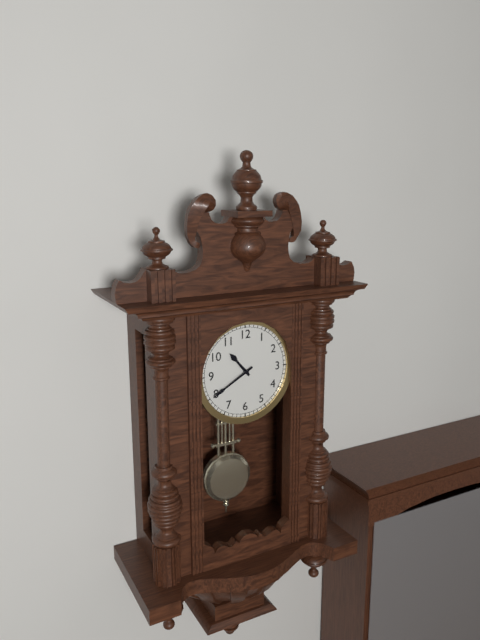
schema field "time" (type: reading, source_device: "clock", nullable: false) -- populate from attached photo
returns 10:40
